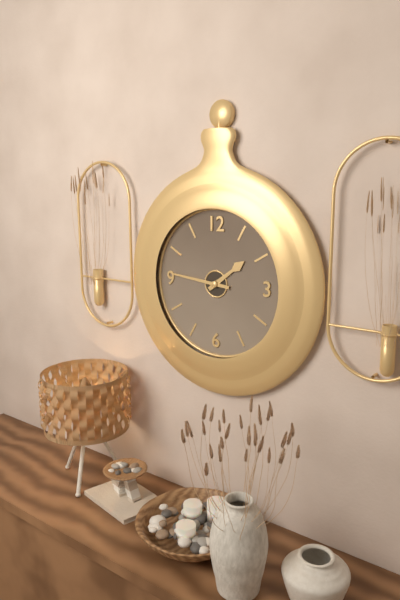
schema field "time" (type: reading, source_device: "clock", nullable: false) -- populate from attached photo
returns 1:46
